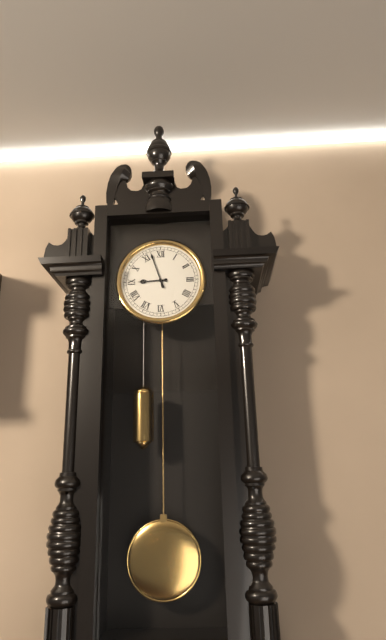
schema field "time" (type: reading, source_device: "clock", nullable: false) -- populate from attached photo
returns 8:57
